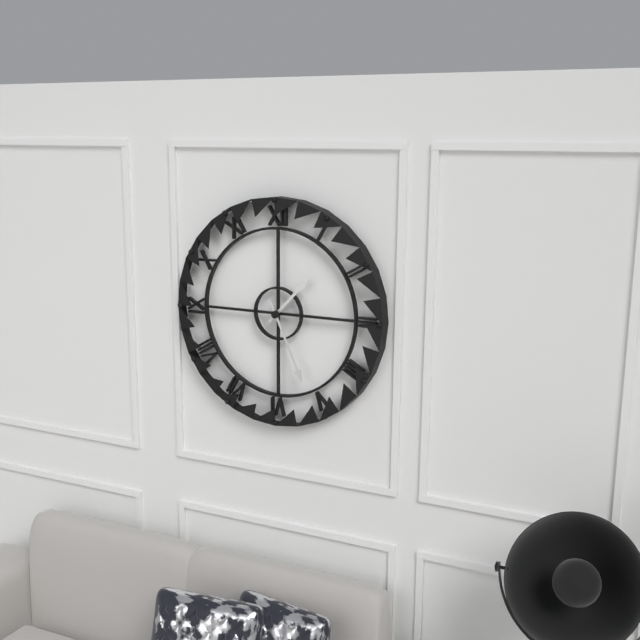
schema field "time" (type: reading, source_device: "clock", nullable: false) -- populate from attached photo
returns 1:26
